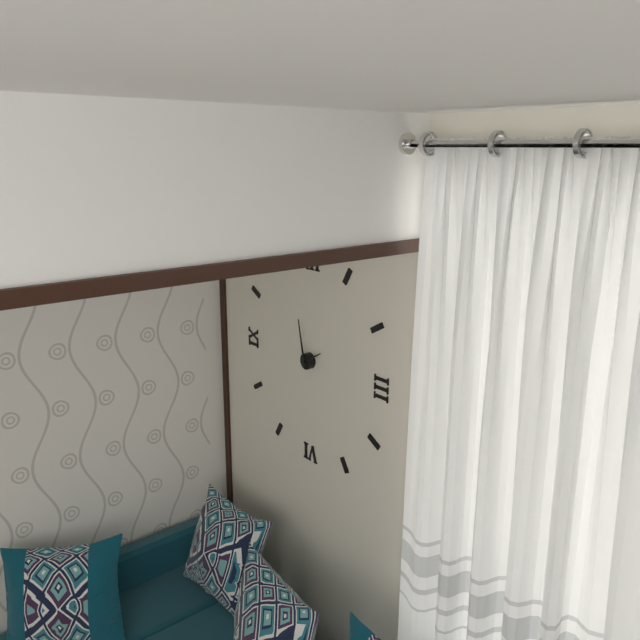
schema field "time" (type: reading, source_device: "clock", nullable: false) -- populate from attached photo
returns 1:58
